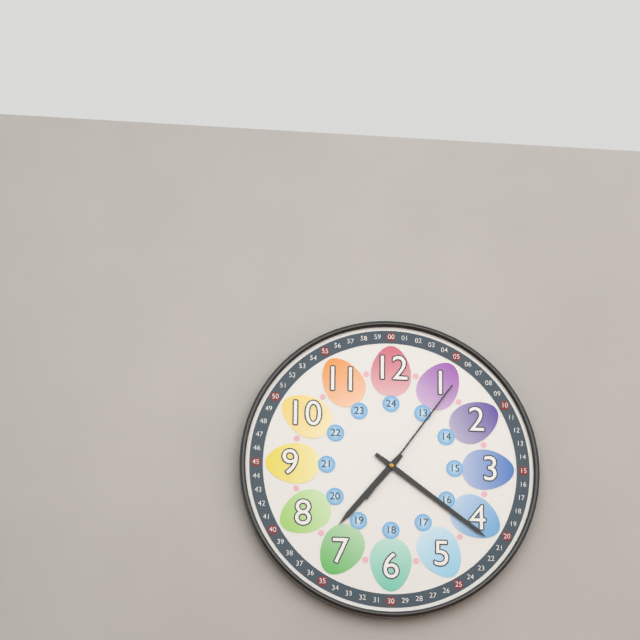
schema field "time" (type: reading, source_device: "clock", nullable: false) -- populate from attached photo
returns 7:21:06
